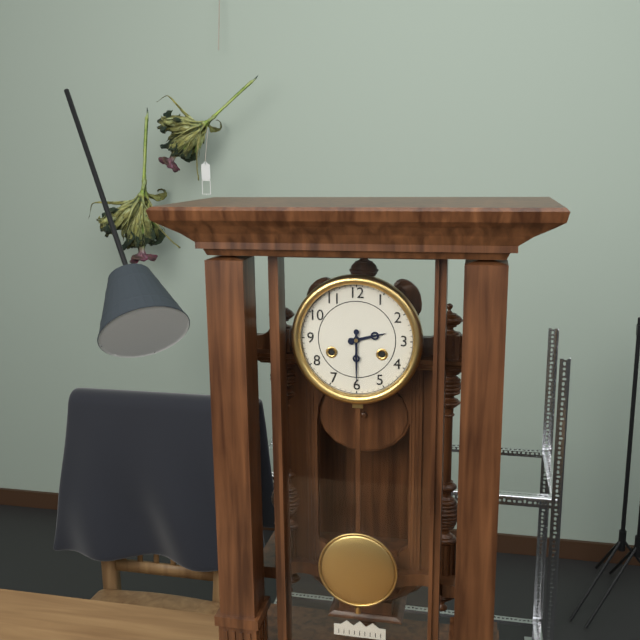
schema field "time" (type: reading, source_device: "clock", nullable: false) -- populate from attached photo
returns 2:30
